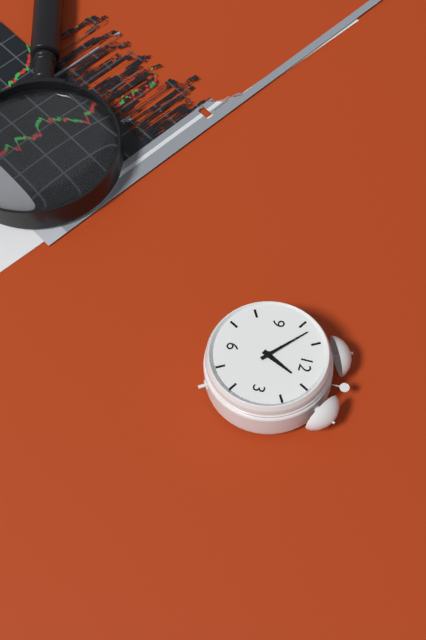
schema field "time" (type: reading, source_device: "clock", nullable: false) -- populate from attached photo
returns 12:52
